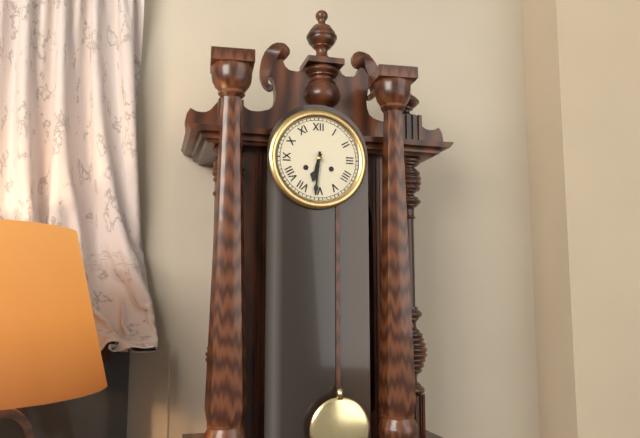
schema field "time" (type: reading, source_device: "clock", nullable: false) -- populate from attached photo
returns 6:31
